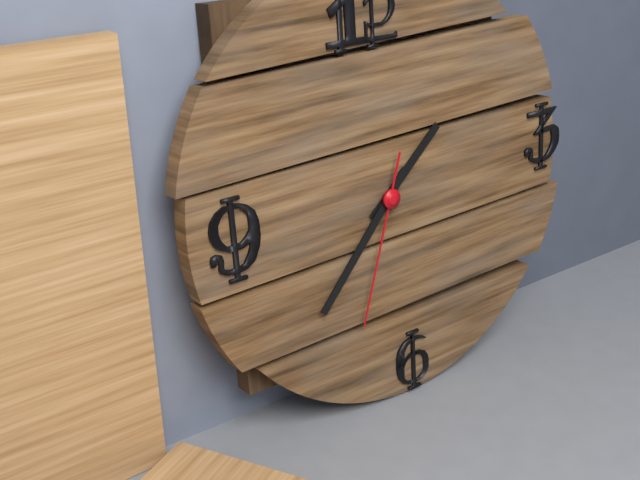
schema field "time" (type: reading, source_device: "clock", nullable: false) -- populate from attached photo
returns 1:37:33
